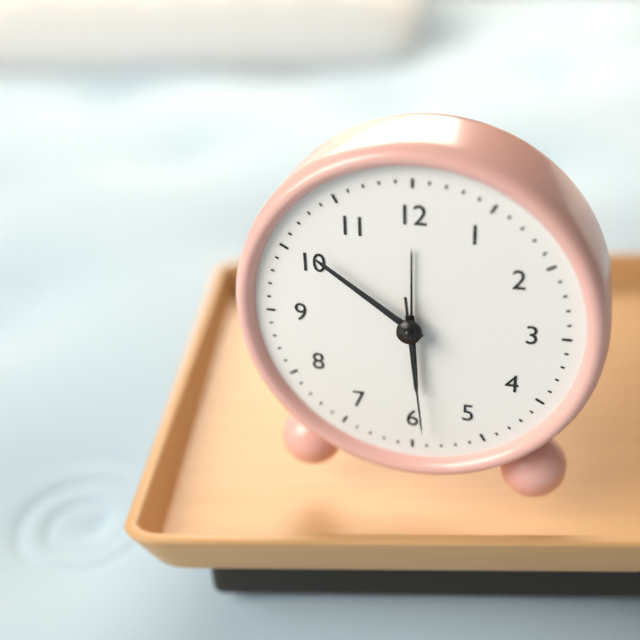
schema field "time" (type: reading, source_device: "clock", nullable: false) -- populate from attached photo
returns 5:51:29
